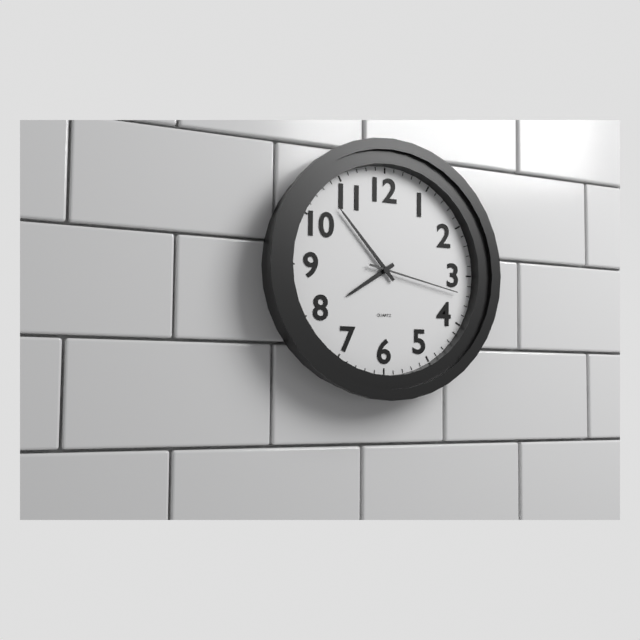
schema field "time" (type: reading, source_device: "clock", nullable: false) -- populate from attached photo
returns 7:53:17
